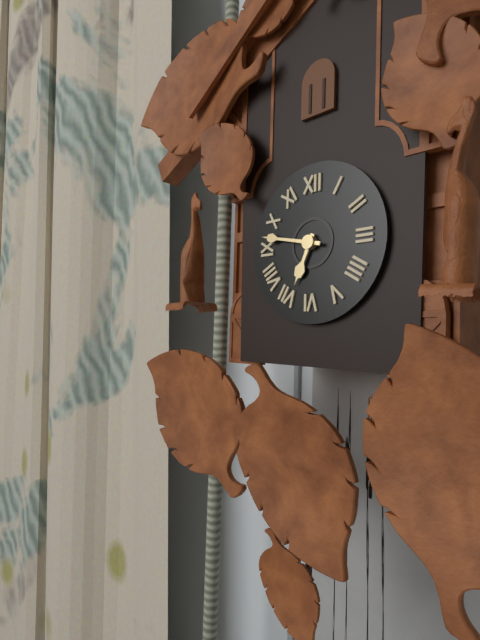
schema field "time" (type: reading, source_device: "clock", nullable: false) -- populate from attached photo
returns 6:47
